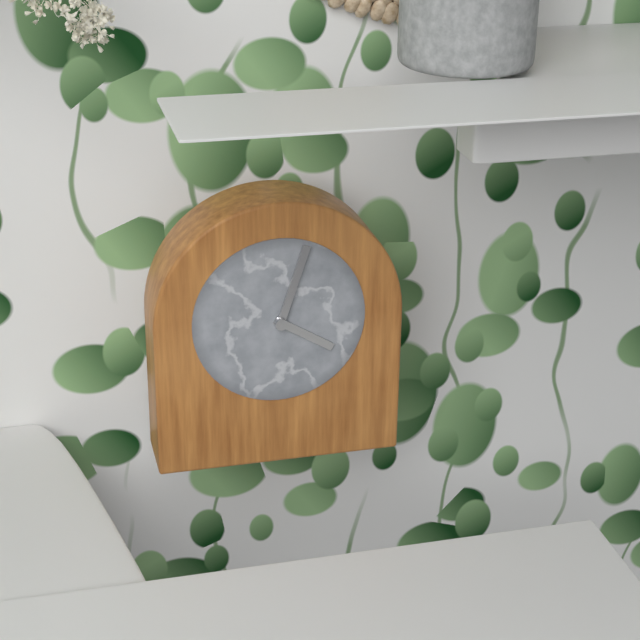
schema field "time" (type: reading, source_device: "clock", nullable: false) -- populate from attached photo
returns 4:03
